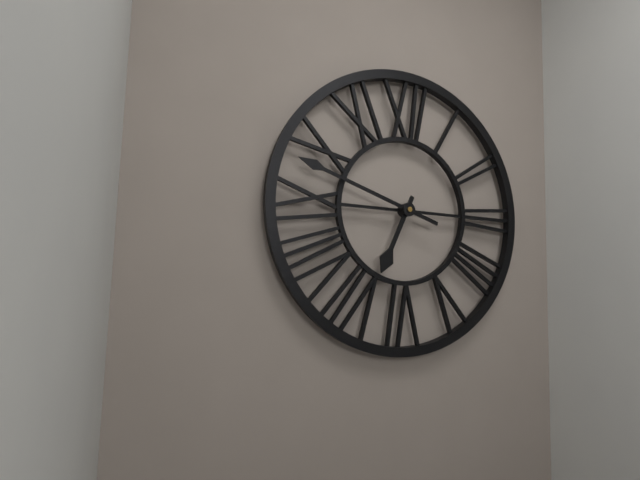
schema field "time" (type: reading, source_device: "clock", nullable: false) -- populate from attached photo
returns 6:48
